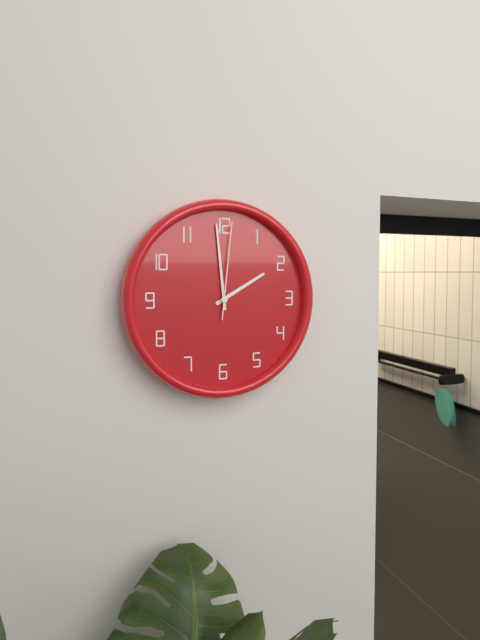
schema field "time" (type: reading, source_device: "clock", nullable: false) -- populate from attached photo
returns 1:59:01
